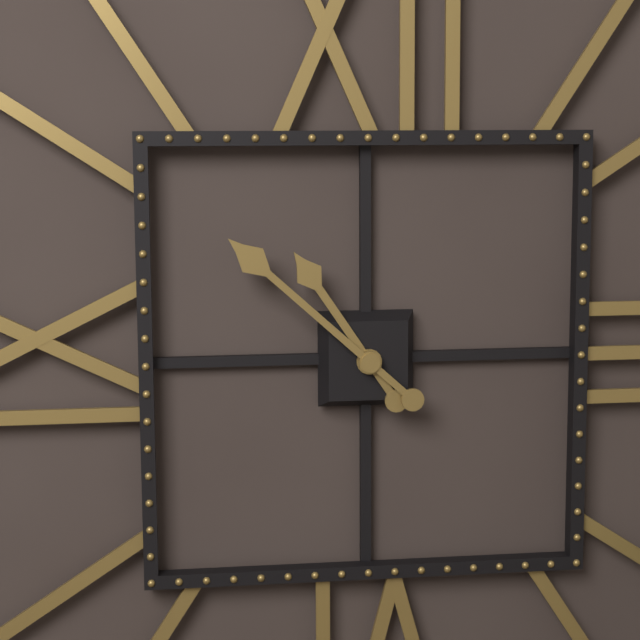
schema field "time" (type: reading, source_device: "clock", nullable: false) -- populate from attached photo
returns 10:52
